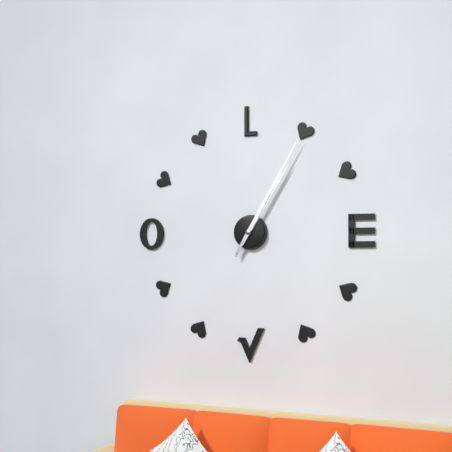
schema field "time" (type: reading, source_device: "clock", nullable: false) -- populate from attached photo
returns 1:05
